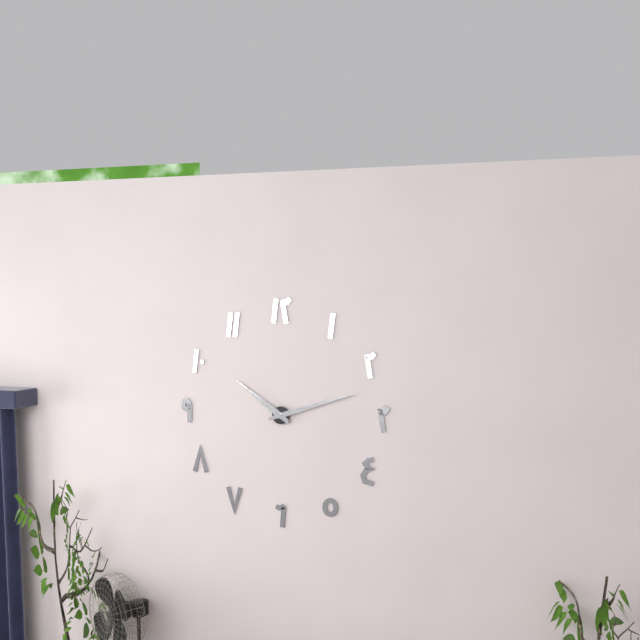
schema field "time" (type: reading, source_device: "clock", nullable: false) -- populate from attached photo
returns 10:12
